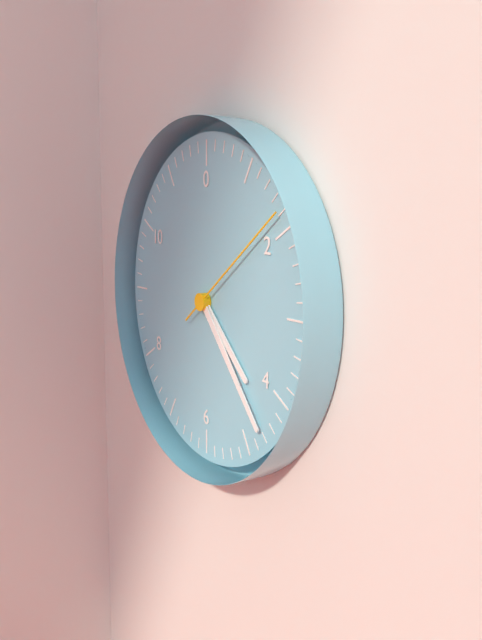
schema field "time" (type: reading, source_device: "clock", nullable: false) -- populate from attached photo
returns 4:23:09
